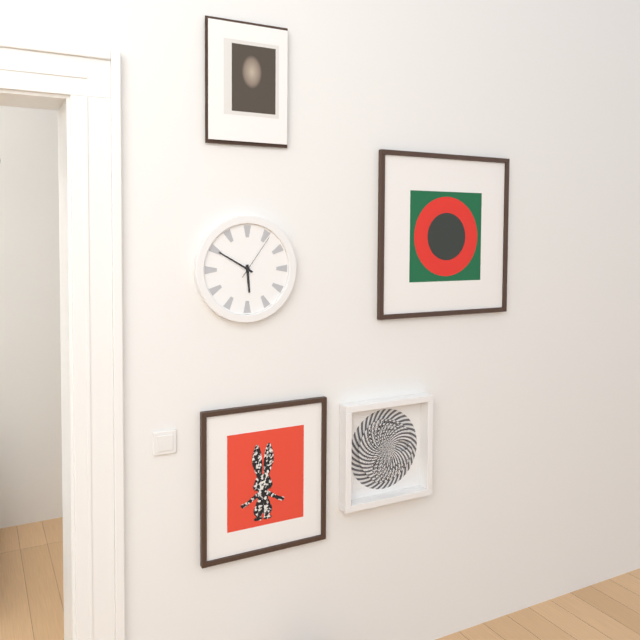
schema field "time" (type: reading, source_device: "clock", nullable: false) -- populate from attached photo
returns 5:50
